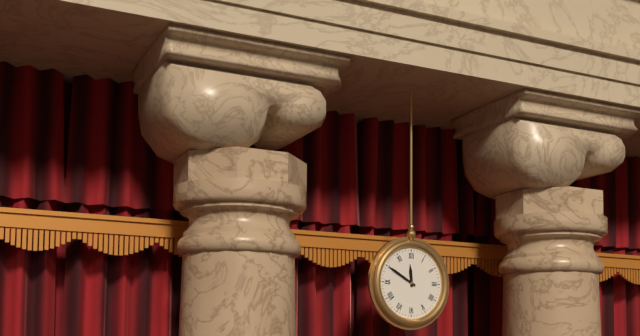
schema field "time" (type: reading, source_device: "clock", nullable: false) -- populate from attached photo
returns 11:50
